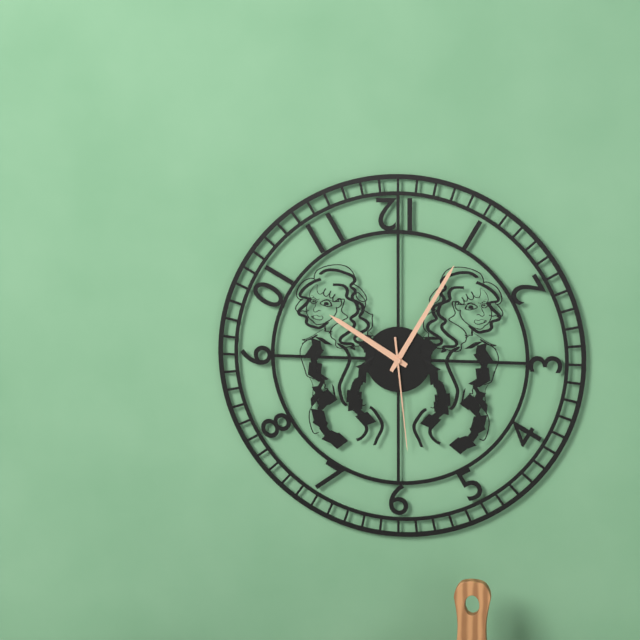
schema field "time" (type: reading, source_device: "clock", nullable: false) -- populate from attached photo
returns 10:05:29
